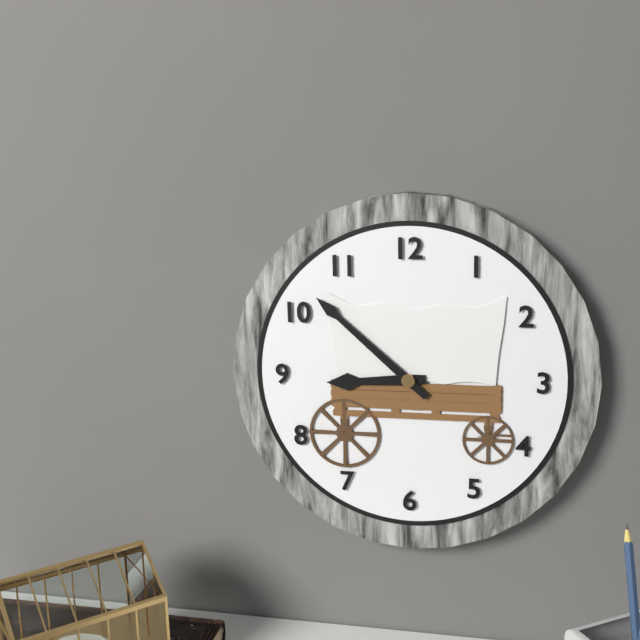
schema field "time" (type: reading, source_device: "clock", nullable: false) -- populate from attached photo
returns 8:52
